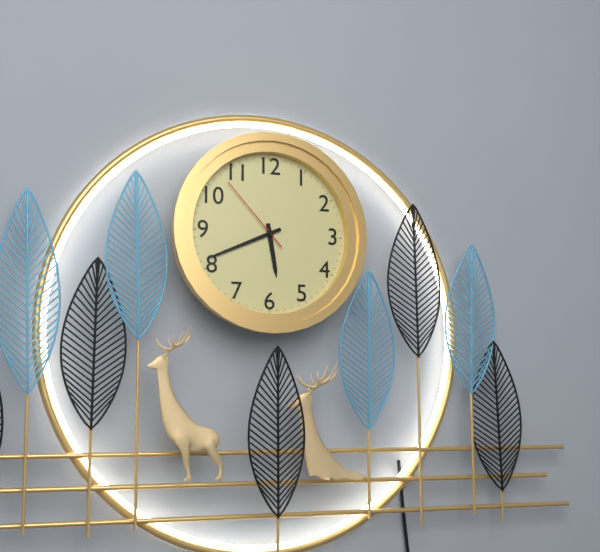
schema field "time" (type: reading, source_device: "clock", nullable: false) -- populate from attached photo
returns 5:41:53
